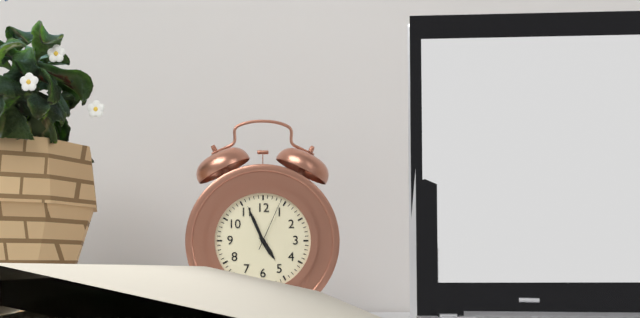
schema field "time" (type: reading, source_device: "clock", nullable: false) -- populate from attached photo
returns 4:56:04
